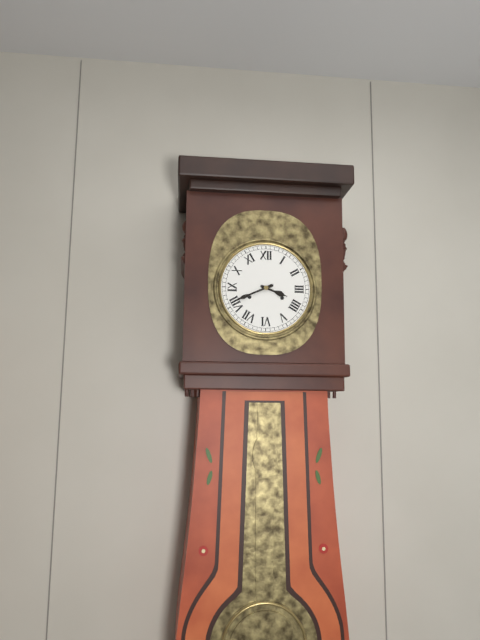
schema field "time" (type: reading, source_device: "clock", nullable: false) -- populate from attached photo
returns 3:41
